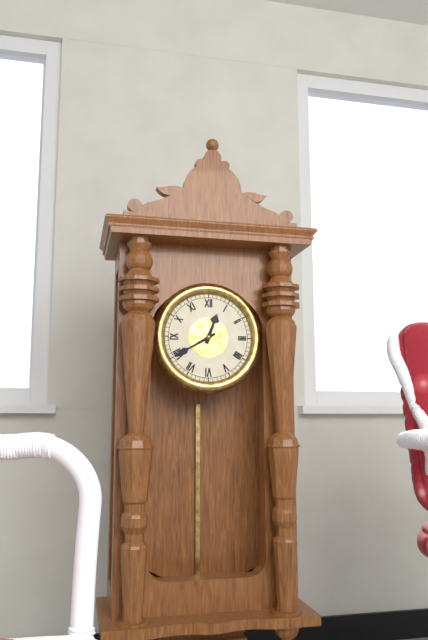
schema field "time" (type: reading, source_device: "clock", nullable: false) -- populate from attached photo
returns 12:40
